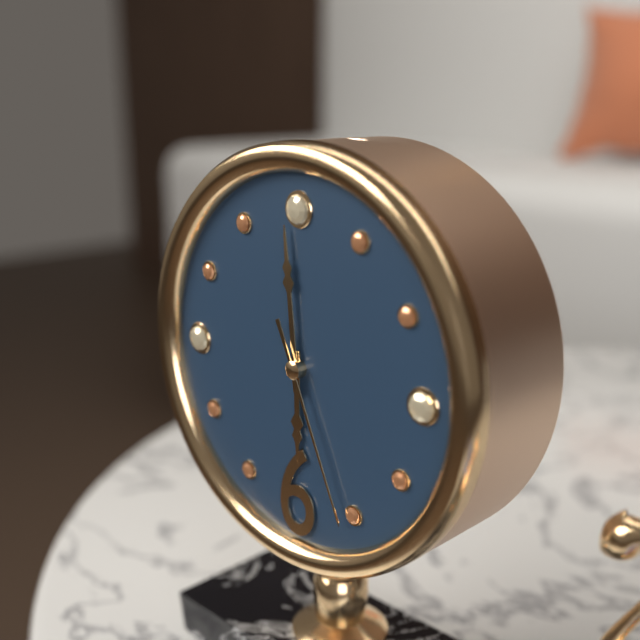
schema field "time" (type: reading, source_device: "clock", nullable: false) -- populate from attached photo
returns 5:59:26
